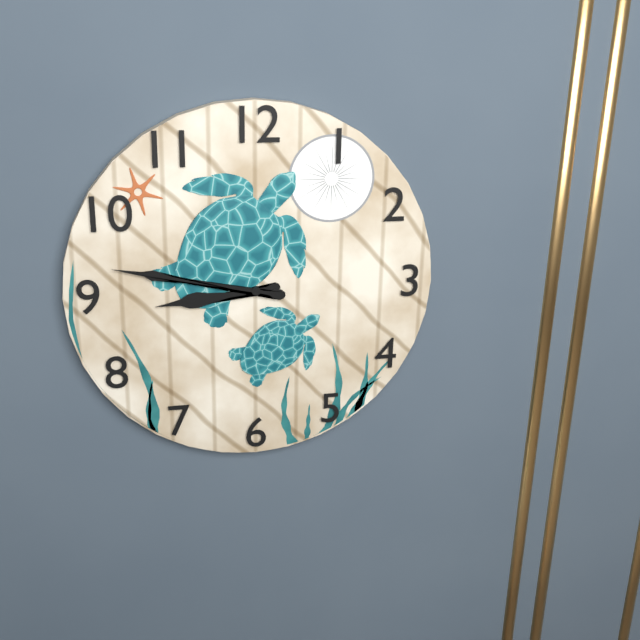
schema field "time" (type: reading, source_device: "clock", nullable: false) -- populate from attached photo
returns 8:47
